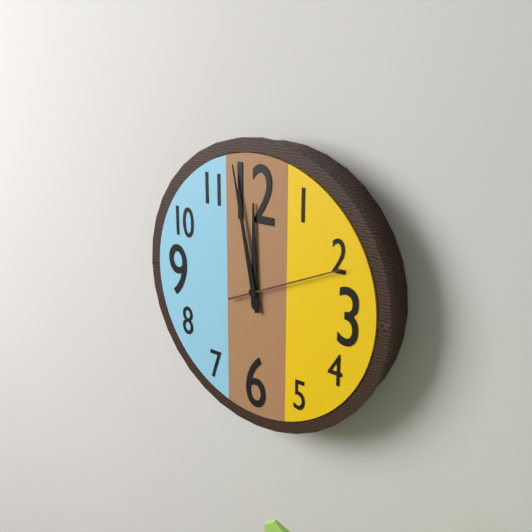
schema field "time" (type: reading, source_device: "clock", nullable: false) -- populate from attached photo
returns 11:58:11
